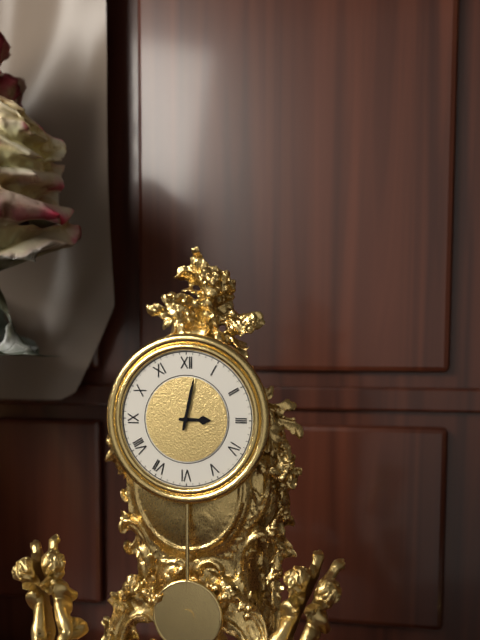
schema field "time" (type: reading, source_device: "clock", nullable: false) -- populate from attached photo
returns 3:02
